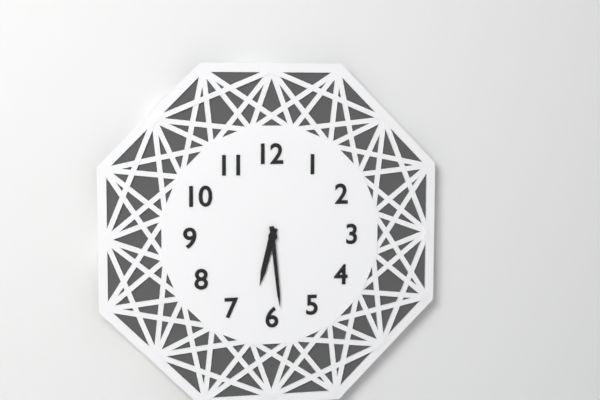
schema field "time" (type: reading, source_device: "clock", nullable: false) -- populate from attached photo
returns 6:29
